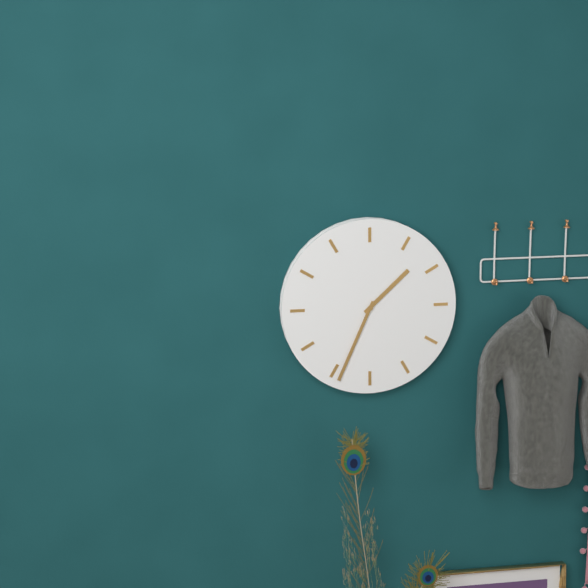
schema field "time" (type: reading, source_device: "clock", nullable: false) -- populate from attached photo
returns 1:34
